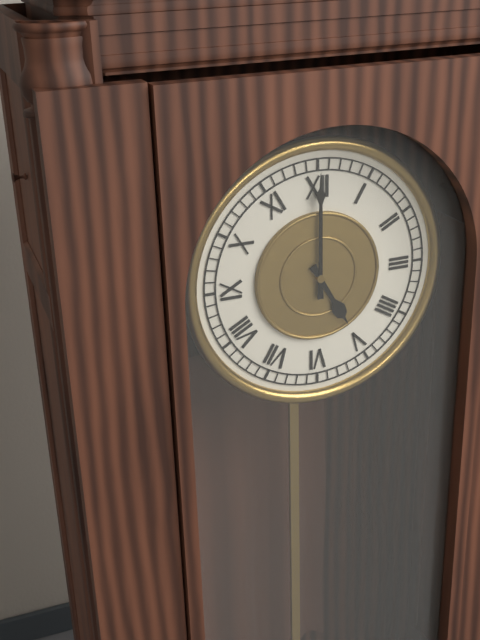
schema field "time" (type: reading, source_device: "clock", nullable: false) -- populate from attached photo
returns 5:00
